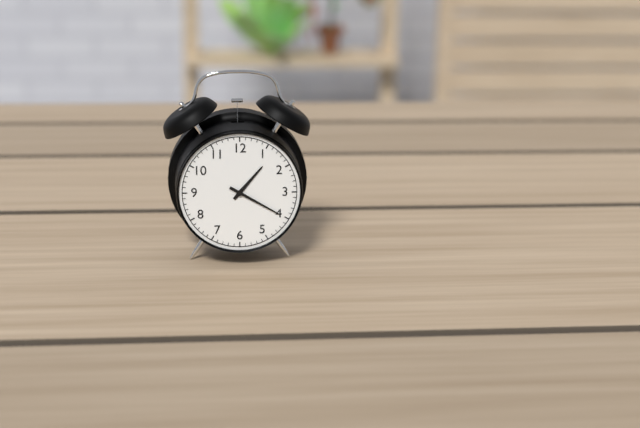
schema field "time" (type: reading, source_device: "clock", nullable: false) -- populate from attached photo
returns 1:20
